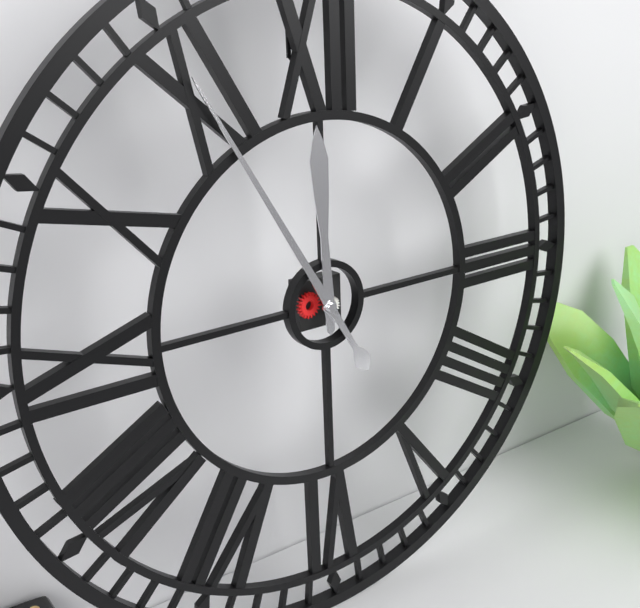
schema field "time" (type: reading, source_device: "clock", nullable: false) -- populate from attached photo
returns 11:55
